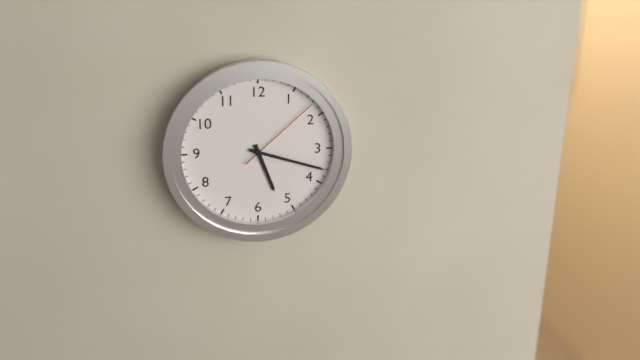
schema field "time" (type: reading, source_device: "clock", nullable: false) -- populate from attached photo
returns 5:18:08
